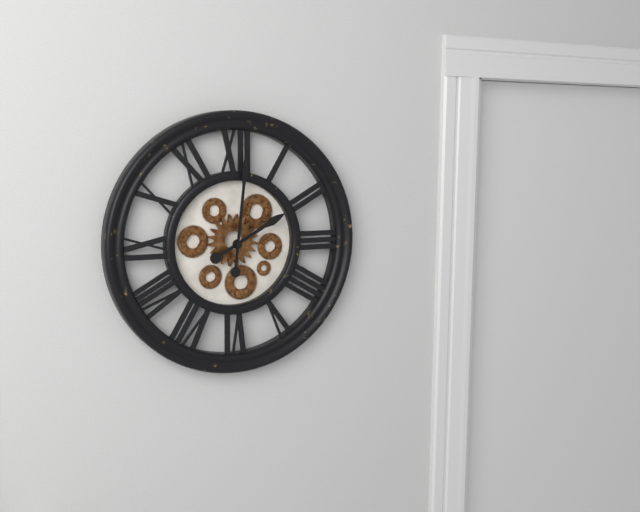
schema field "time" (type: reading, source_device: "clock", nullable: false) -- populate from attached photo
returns 2:01
